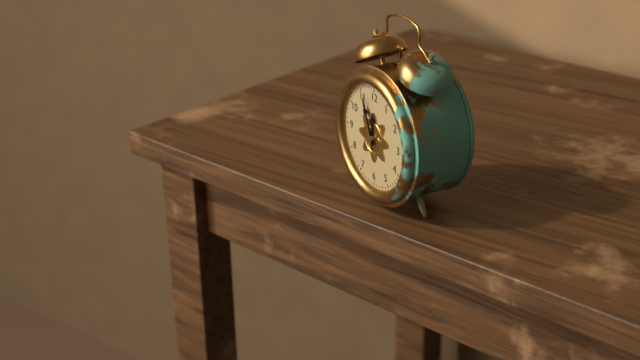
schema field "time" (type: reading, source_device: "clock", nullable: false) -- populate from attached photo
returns 11:56:57
